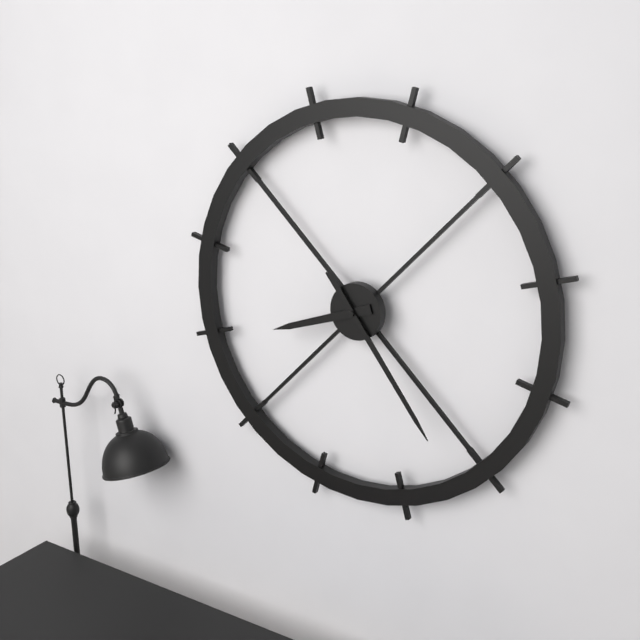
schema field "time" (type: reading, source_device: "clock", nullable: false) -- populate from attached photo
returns 8:24
